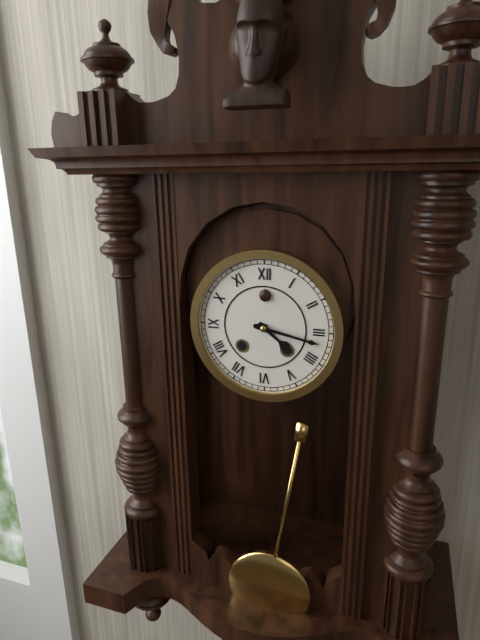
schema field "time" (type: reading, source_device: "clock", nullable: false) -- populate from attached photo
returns 4:17
